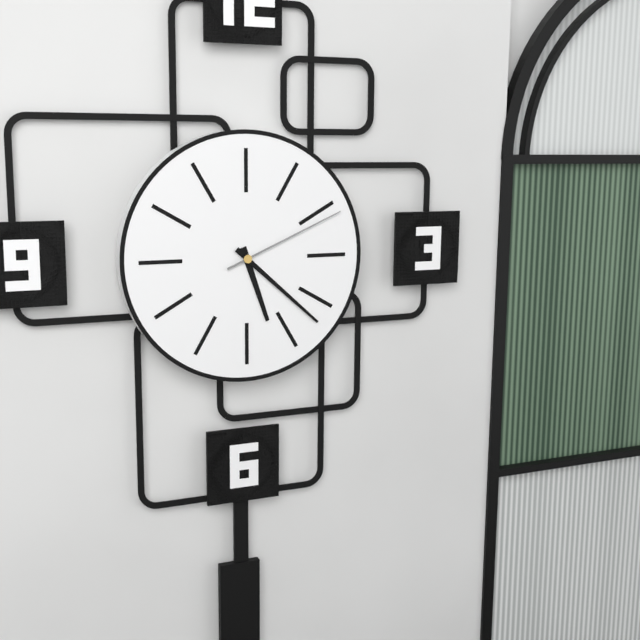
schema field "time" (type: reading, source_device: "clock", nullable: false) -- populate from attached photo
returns 5:22:11
